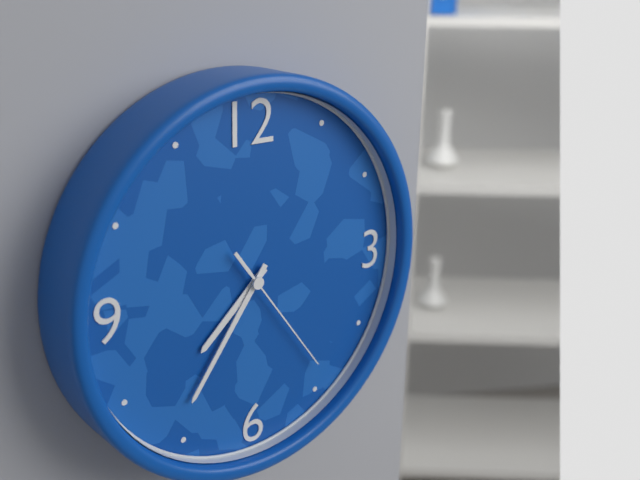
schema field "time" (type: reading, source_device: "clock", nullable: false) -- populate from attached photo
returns 7:36:24
